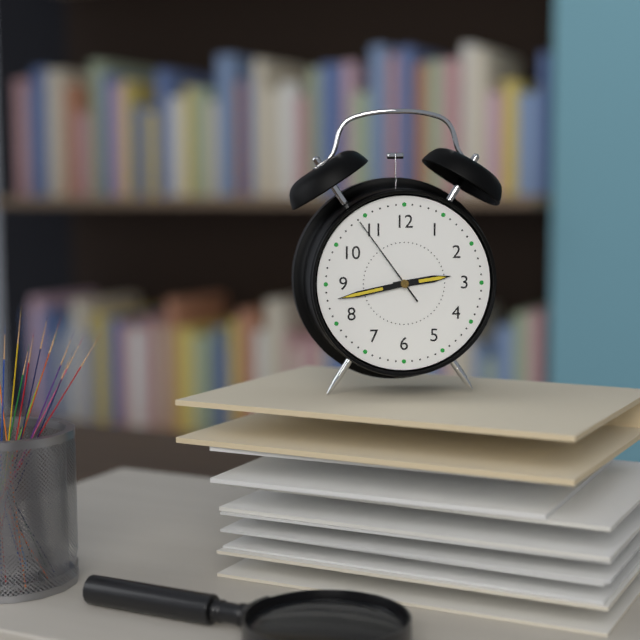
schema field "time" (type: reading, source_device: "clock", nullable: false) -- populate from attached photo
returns 2:43:54
